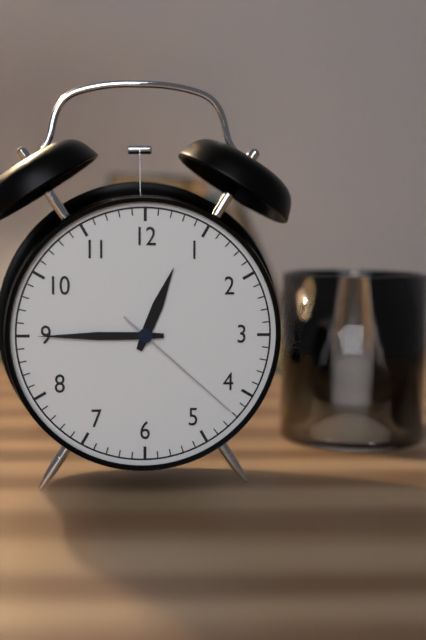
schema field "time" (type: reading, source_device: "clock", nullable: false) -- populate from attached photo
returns 12:45:22
